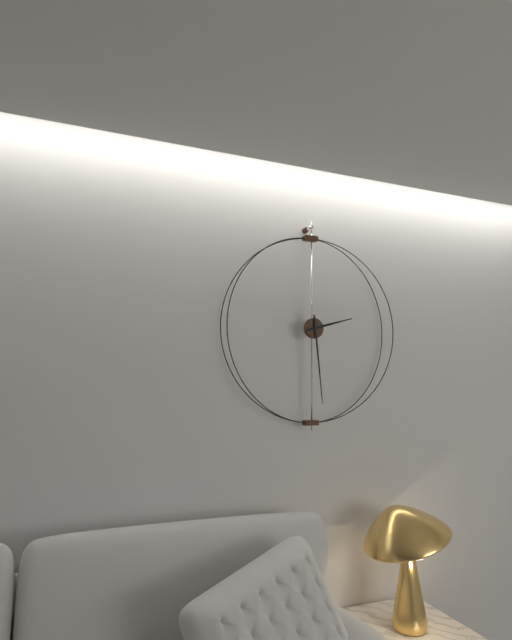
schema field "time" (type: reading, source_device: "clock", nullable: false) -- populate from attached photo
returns 2:29
